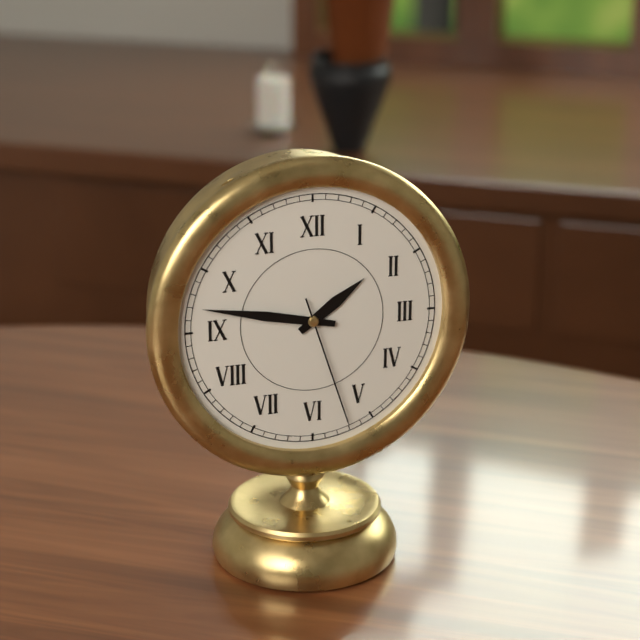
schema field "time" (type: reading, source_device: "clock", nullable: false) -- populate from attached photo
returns 1:47:27
